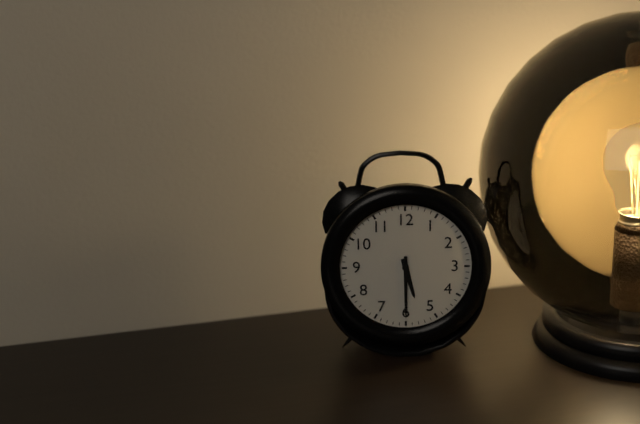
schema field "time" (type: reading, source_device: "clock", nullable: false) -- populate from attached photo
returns 5:30
